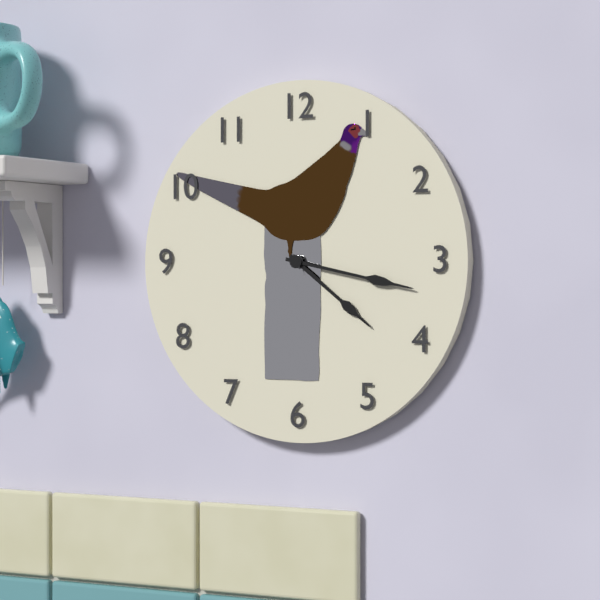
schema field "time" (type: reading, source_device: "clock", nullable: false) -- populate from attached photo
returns 4:17
